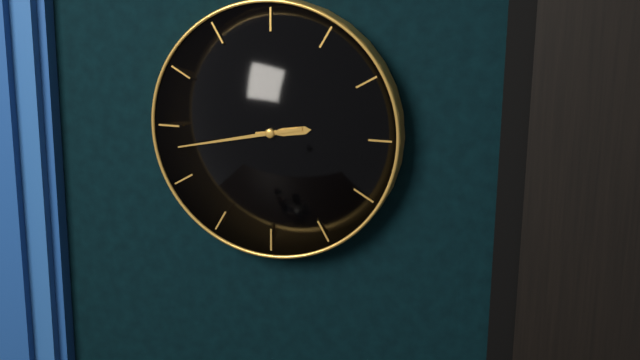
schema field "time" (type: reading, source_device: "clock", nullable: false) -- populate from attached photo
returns 2:43
